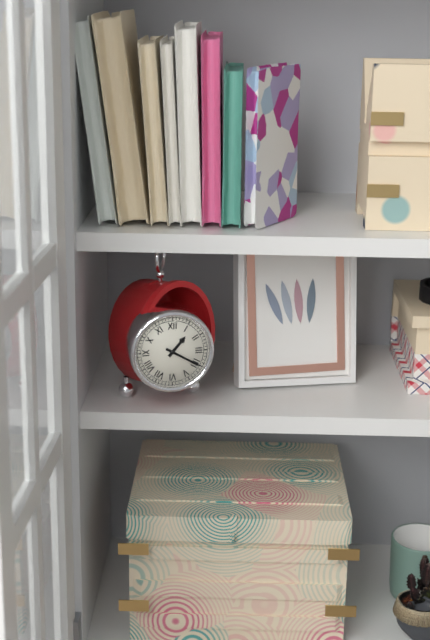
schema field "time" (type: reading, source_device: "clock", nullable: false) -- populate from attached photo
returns 1:20
